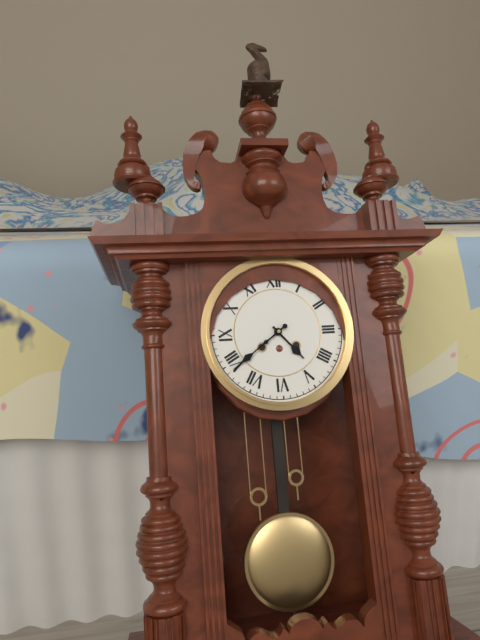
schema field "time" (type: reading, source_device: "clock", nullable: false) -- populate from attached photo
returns 4:39
